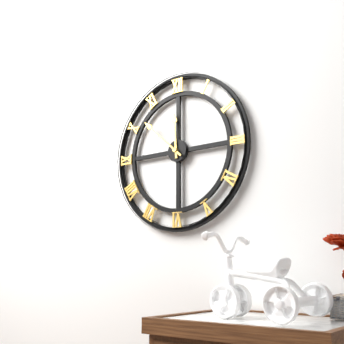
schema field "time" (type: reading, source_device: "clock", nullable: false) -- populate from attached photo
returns 11:52
